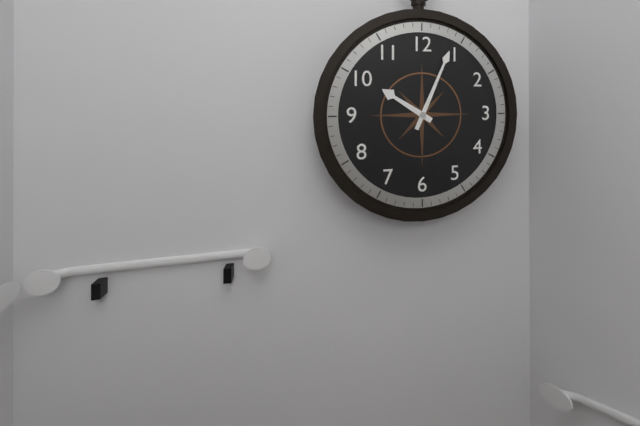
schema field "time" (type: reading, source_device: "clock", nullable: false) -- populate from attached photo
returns 10:04
